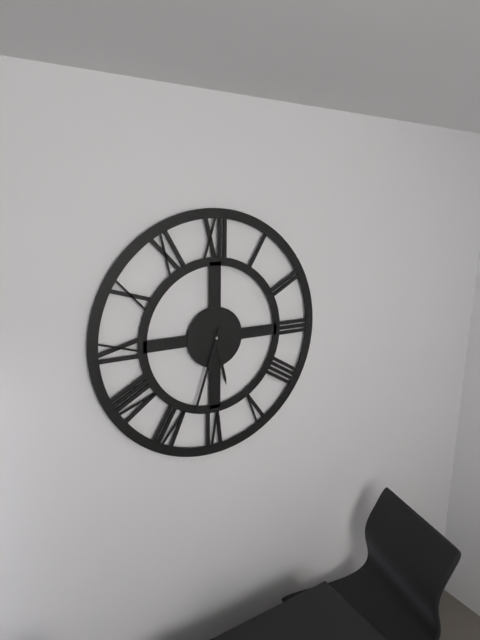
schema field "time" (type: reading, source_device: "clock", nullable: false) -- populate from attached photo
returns 5:33
